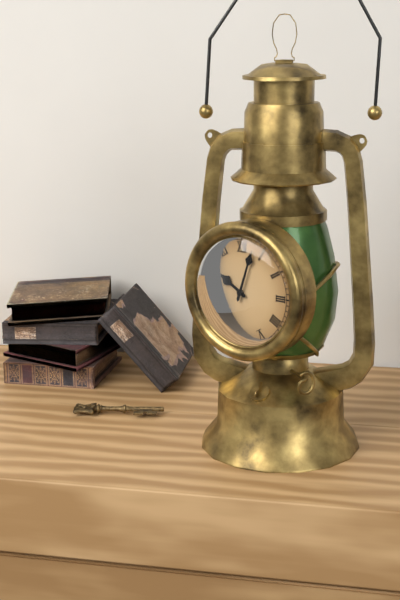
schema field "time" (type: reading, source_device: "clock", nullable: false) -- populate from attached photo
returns 10:03
